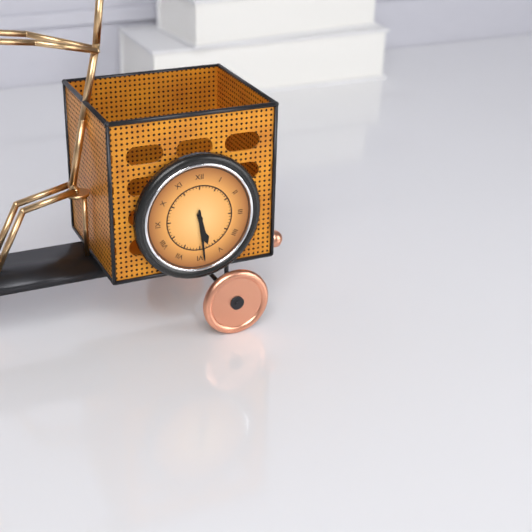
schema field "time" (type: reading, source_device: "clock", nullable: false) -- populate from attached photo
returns 5:29
